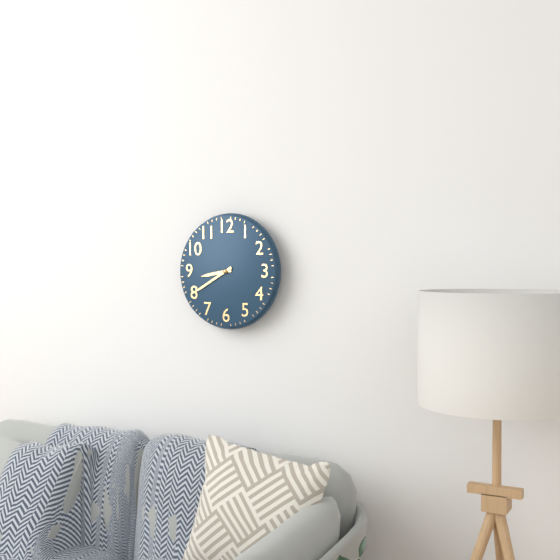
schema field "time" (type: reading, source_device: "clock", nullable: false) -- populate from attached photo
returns 8:40
